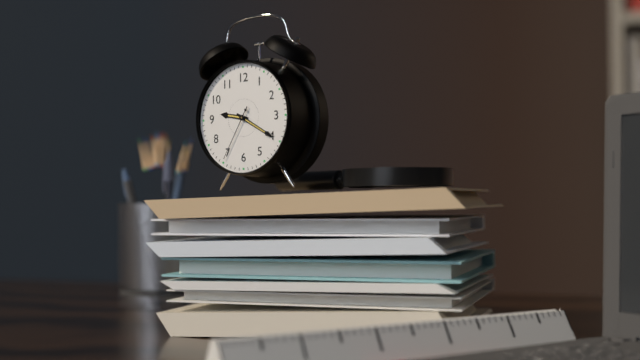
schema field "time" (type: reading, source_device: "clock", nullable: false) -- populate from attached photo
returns 9:20:35
